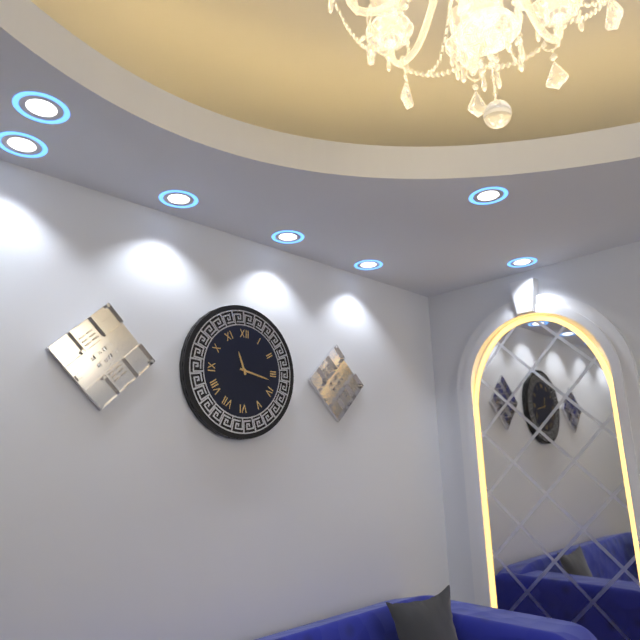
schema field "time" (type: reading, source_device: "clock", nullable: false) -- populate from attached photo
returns 11:17
